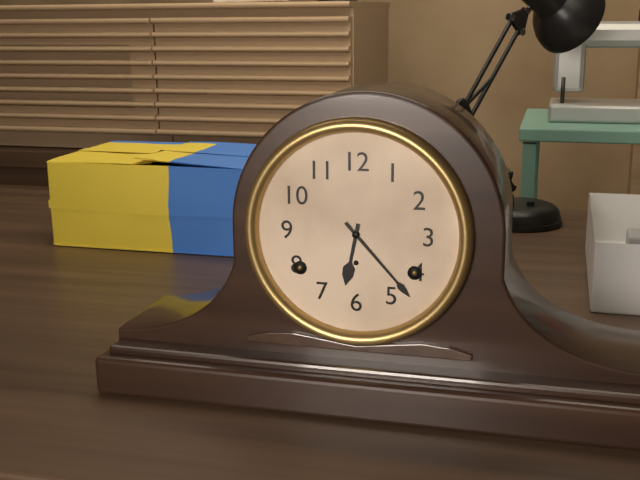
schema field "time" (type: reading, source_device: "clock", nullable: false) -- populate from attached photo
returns 6:23
